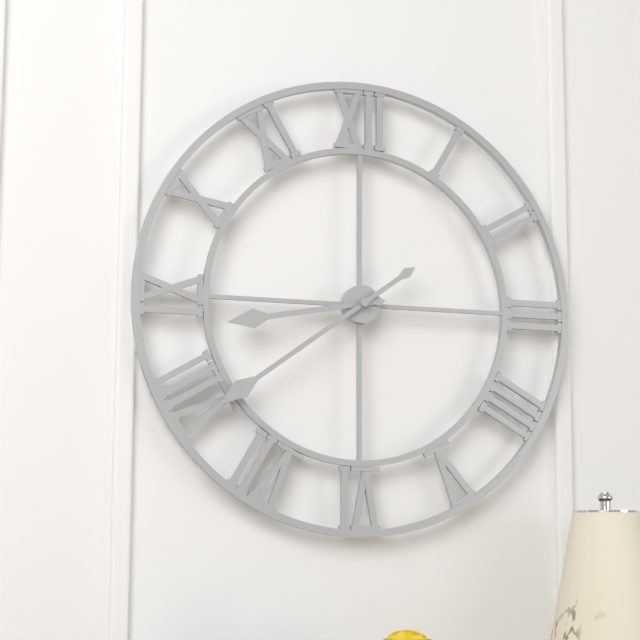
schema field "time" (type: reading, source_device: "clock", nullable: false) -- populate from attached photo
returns 8:39
